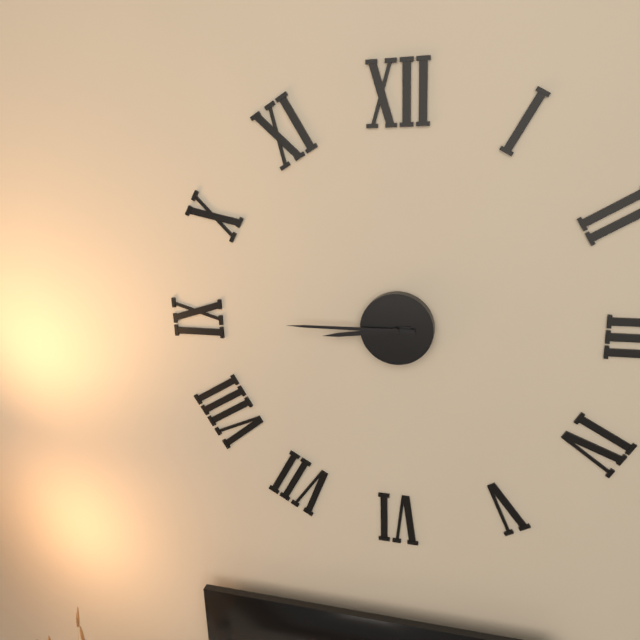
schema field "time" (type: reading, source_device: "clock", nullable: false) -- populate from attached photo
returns 8:45
